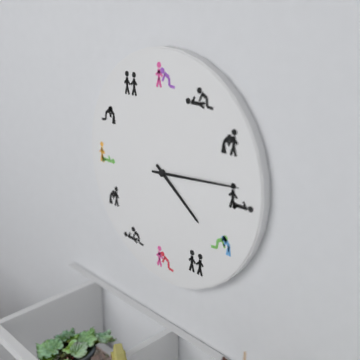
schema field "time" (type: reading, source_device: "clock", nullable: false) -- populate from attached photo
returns 4:14
